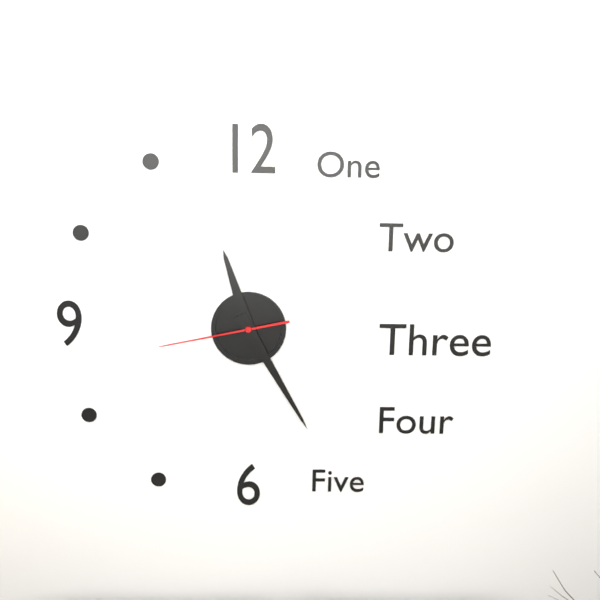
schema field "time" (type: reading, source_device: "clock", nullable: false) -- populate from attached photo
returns 11:25:43
